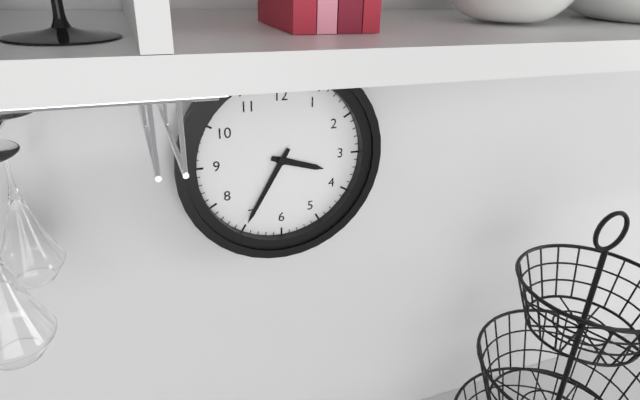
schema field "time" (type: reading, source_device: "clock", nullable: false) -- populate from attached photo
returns 3:35
